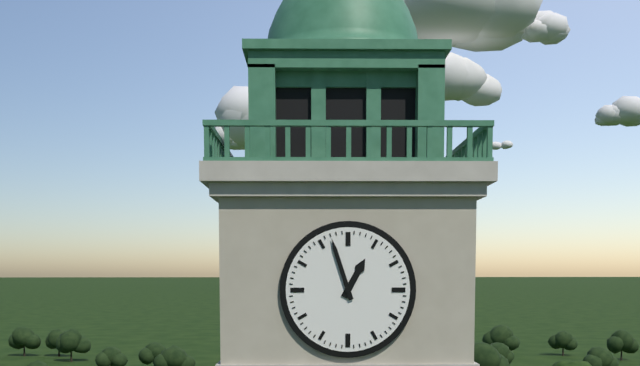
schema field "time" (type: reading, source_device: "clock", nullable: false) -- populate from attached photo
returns 12:57
